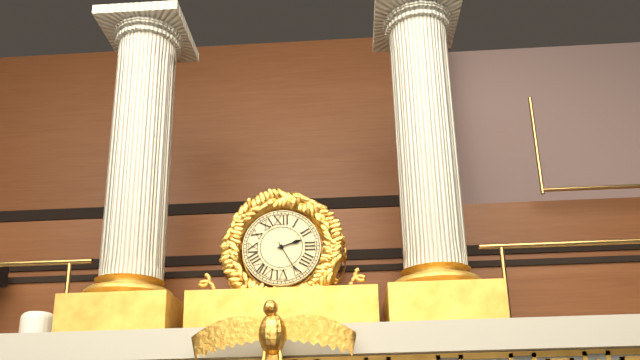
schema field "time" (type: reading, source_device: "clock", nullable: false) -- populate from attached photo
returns 2:25
